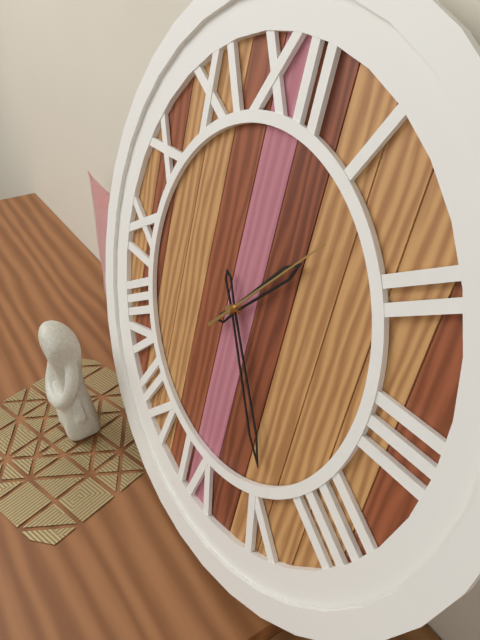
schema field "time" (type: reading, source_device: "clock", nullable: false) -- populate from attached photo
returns 1:24:07
